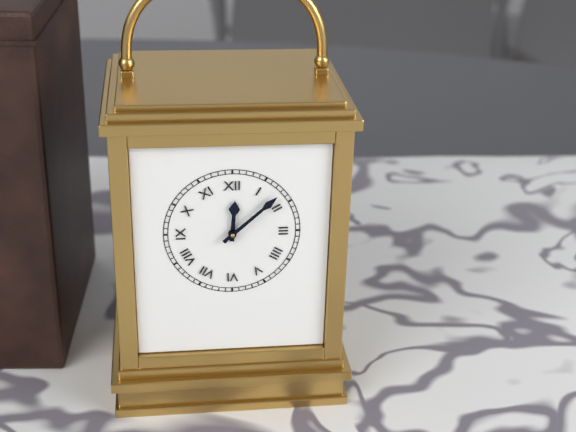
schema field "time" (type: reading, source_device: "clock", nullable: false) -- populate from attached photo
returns 12:08
